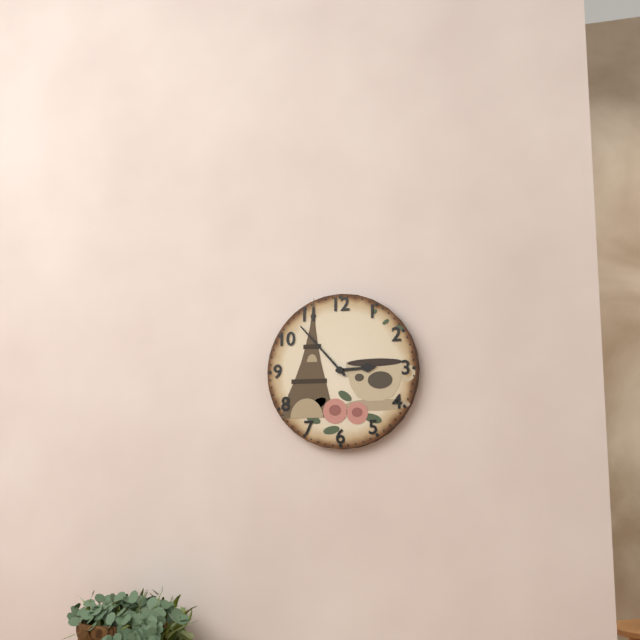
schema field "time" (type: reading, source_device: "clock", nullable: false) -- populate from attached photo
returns 2:53
